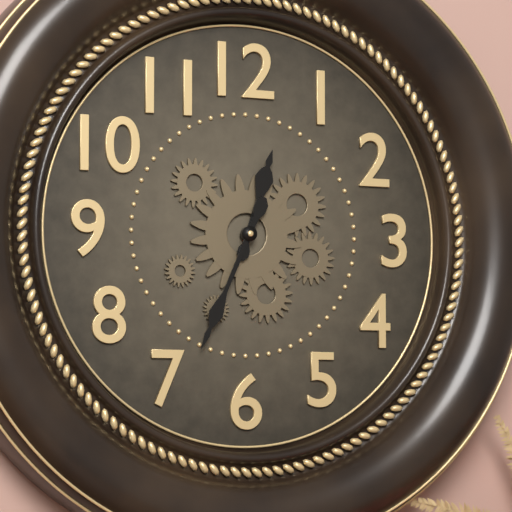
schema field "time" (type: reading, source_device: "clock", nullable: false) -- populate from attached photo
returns 12:34
